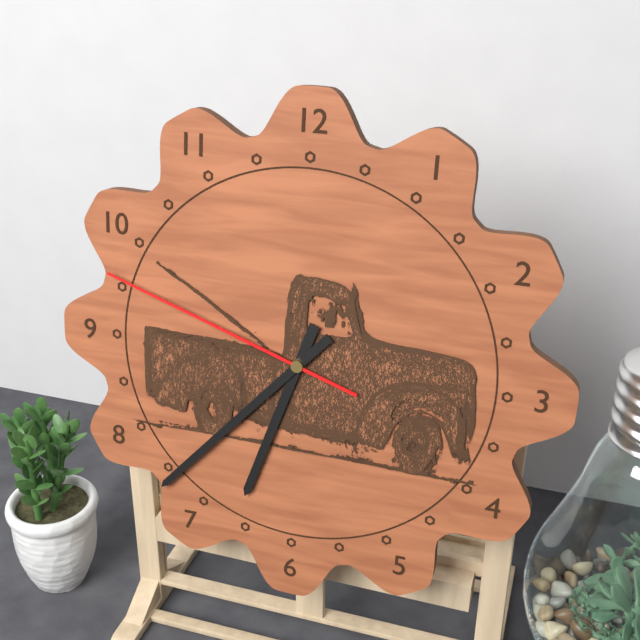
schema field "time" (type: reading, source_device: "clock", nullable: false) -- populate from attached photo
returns 6:37:48
